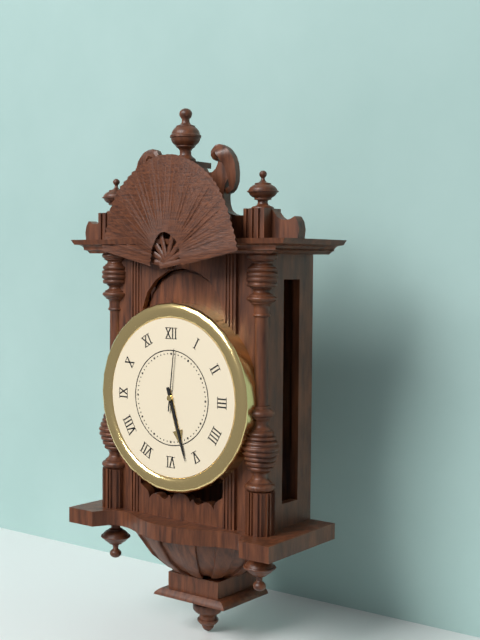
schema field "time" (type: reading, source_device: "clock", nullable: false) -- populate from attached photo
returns 5:27:01
